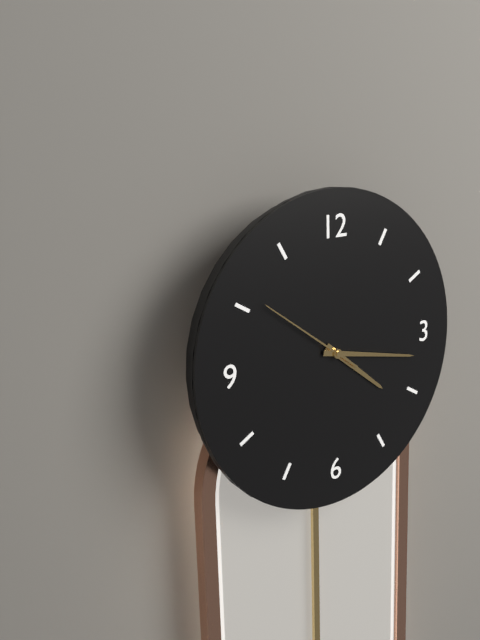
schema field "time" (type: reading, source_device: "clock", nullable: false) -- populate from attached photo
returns 4:17:51
